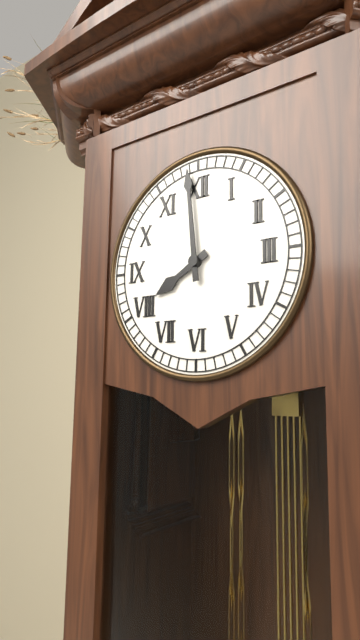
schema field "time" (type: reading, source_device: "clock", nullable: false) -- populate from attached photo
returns 7:59
